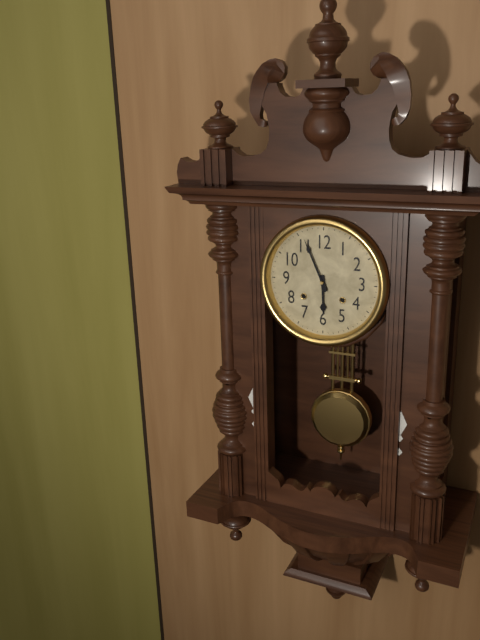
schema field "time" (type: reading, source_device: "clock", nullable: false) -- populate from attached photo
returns 5:56
